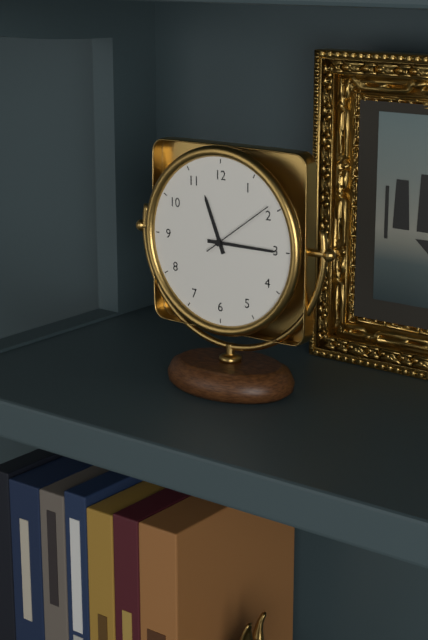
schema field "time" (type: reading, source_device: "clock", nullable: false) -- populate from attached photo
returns 11:15:09
